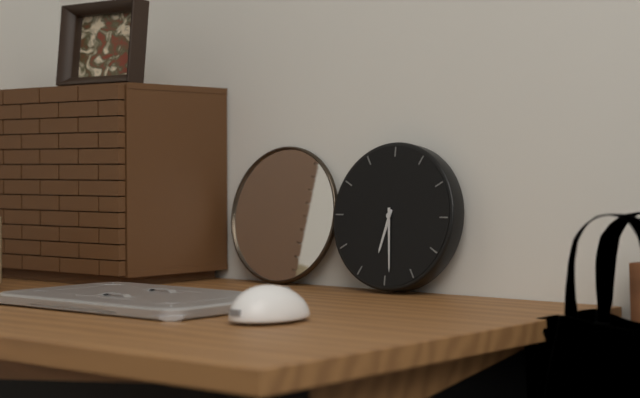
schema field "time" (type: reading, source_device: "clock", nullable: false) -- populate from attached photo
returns 6:29
